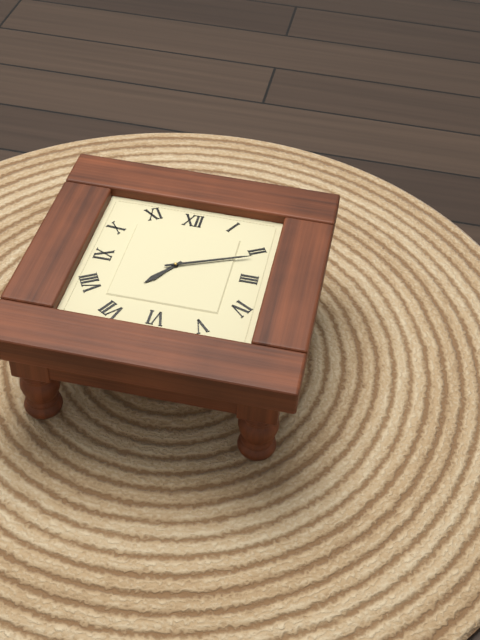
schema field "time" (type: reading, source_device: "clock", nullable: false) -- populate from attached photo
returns 7:11
